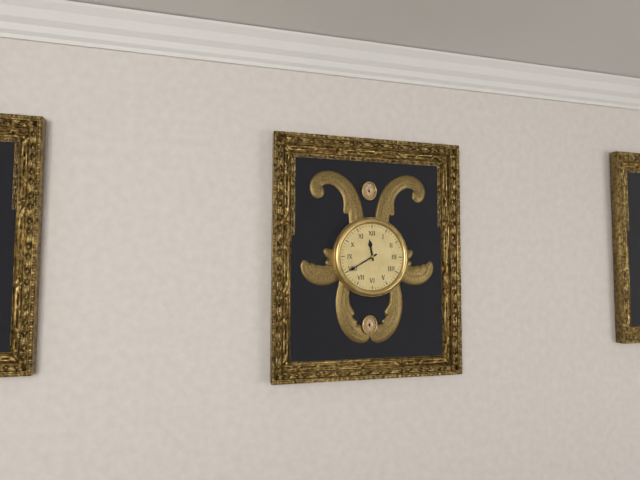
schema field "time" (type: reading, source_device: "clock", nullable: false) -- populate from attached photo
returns 11:40
